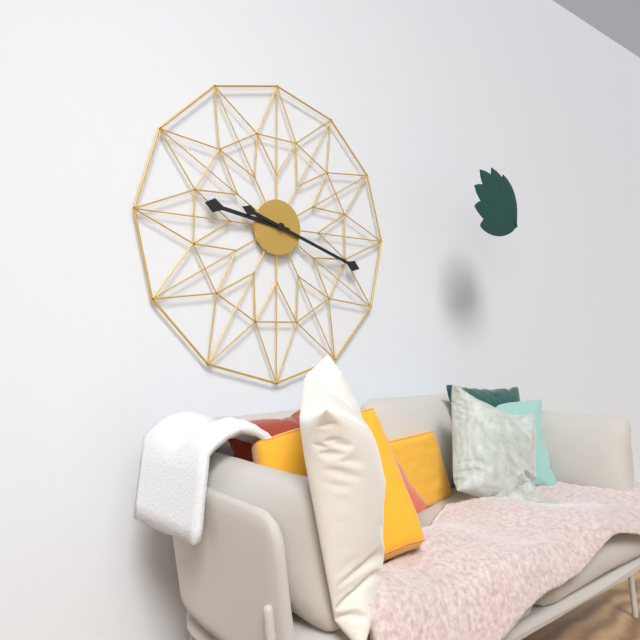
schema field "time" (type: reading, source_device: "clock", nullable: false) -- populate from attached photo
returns 9:18
